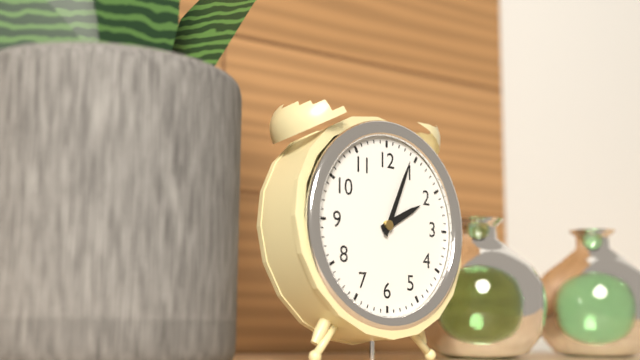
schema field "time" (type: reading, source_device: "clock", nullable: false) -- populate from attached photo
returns 2:04
